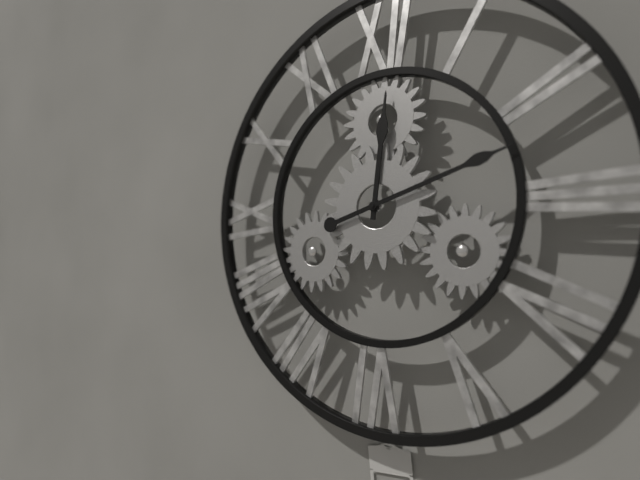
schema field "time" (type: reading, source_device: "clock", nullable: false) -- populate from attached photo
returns 12:12
